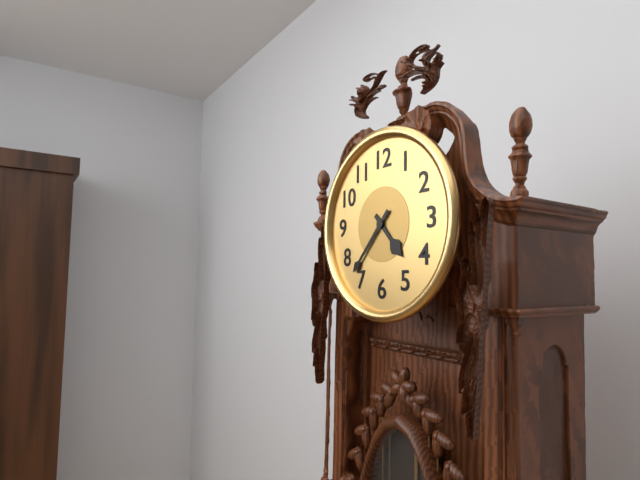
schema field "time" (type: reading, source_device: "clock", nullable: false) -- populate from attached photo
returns 4:37
